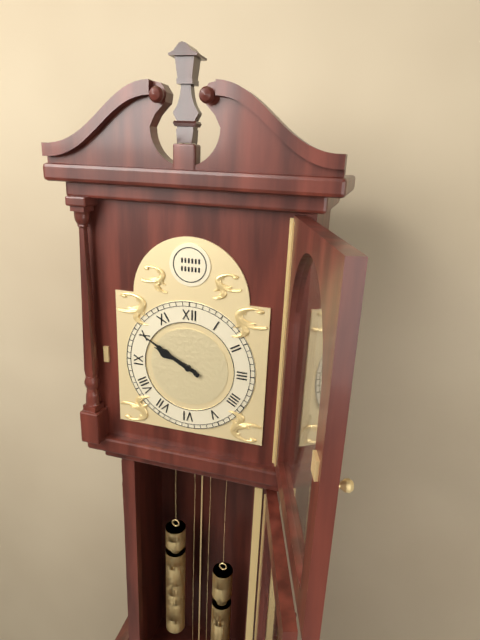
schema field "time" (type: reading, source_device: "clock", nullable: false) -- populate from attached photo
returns 9:50
